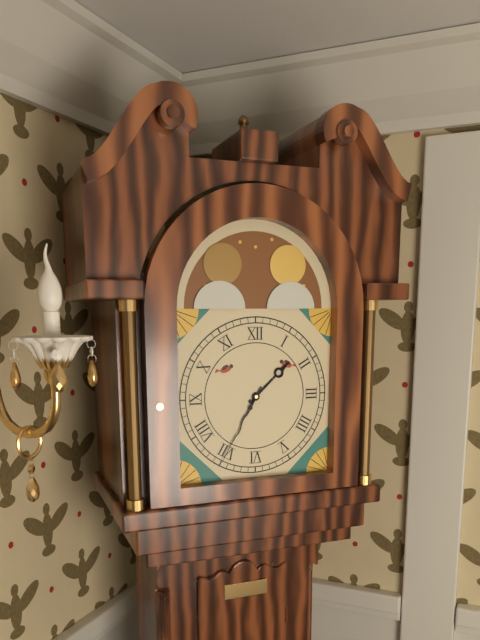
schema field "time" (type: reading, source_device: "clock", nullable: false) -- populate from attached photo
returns 1:35
